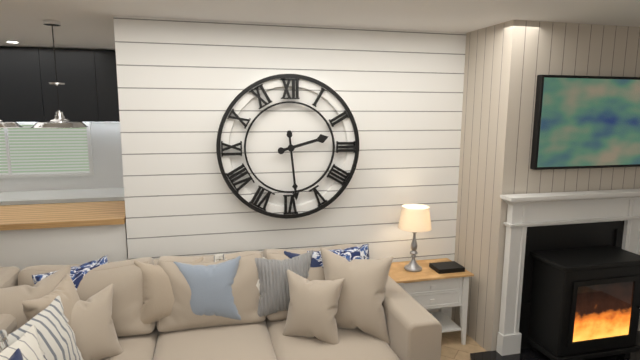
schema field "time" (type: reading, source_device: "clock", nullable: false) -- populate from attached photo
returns 2:29:29
